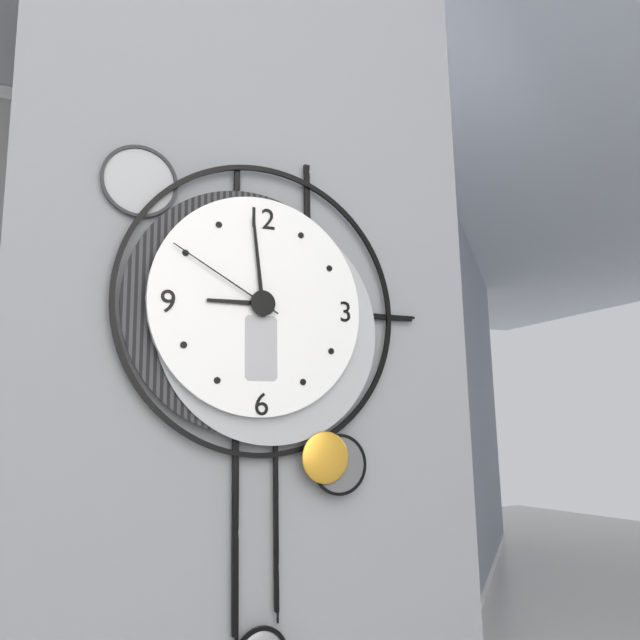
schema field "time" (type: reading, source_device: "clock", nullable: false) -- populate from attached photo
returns 8:59:50
